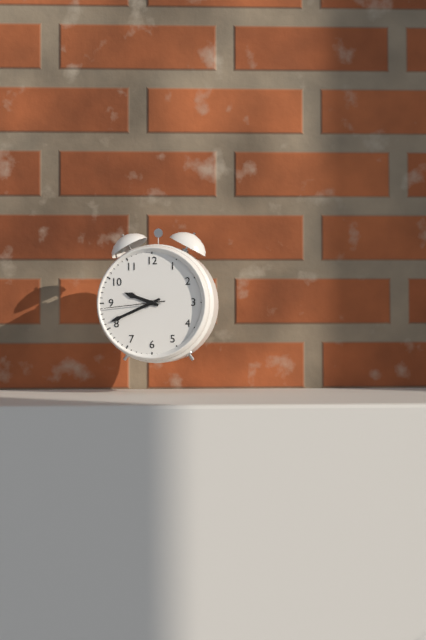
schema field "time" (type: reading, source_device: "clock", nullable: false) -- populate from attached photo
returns 9:41:44
